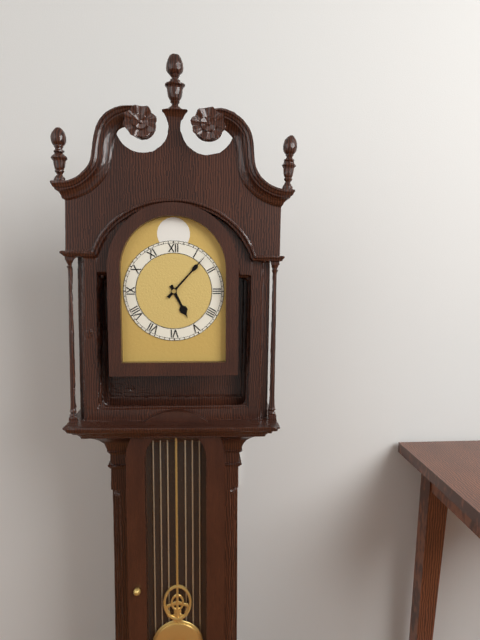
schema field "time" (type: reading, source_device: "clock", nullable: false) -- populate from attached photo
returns 5:07
